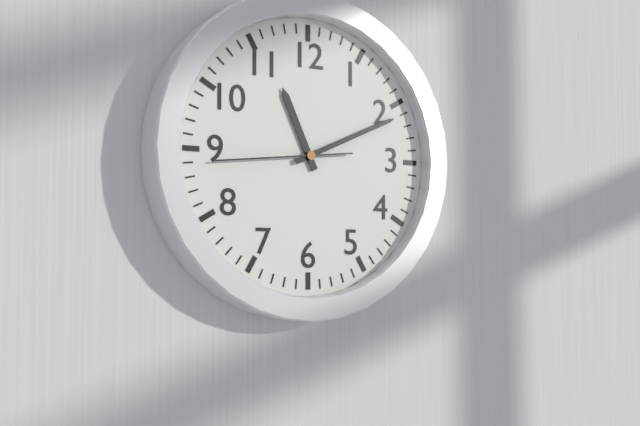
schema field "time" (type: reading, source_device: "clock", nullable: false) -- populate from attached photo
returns 11:11:44
